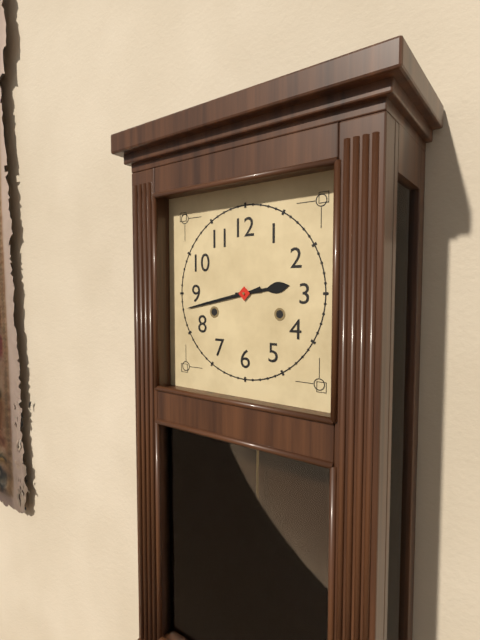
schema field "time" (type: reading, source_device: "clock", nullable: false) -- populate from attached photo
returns 2:43
